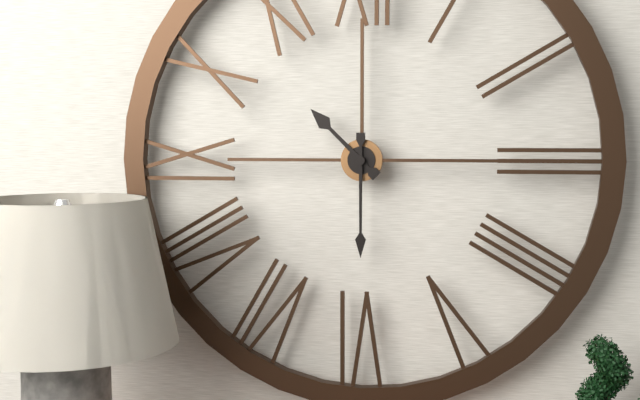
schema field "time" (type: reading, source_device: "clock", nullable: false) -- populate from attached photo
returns 10:30
